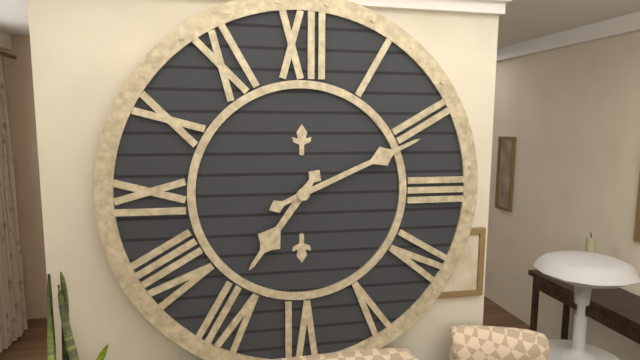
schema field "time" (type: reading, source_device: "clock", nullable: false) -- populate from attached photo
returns 7:11
